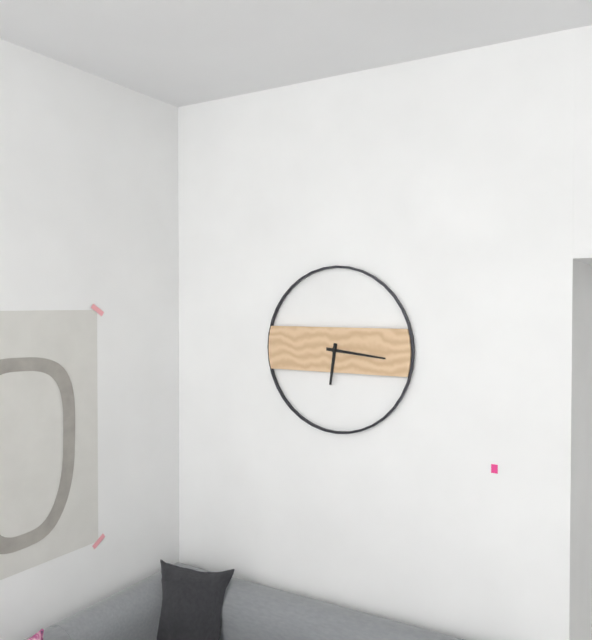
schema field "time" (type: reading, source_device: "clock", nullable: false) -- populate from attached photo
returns 6:16
